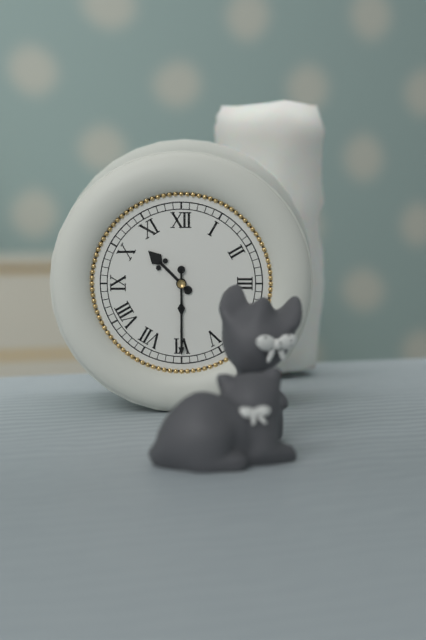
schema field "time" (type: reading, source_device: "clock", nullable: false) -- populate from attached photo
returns 10:30
